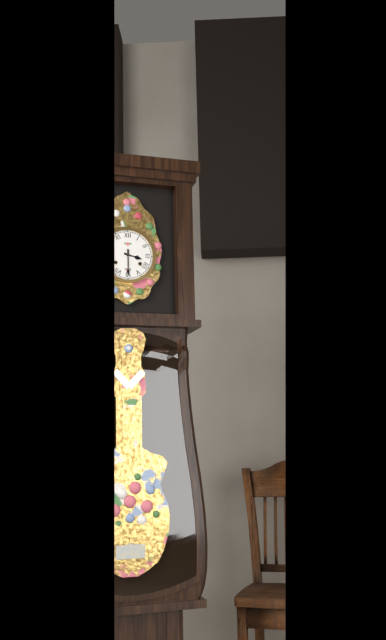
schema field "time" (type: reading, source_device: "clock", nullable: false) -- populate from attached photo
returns 3:30
